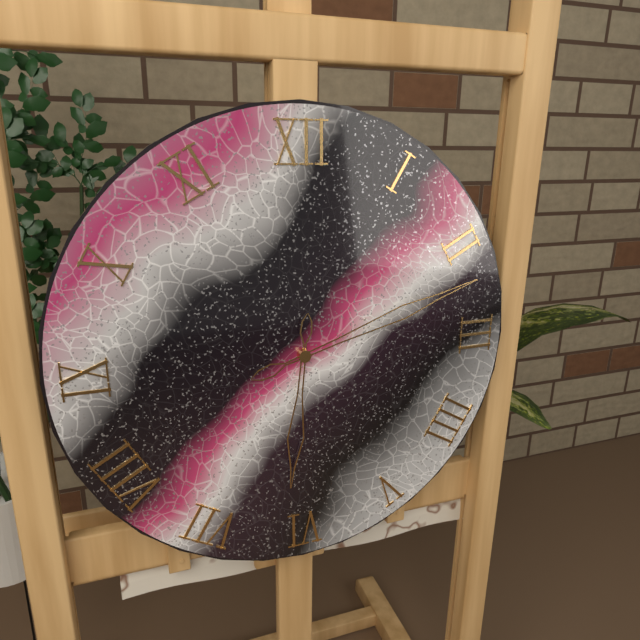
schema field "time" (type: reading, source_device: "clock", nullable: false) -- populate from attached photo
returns 6:12
